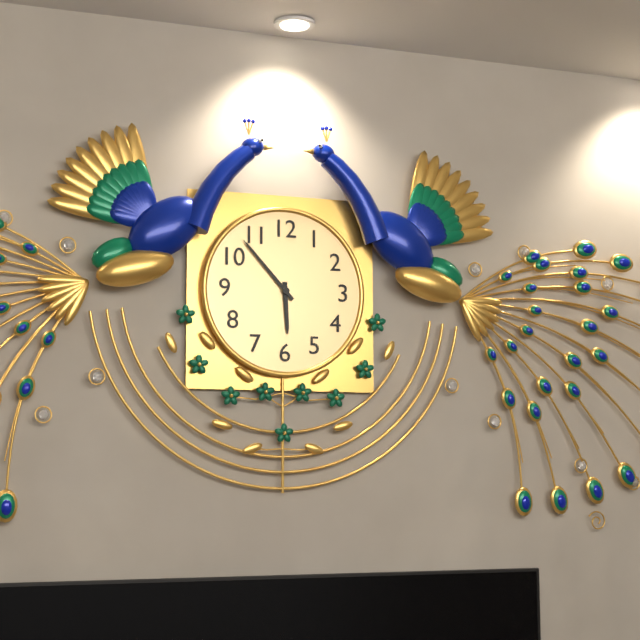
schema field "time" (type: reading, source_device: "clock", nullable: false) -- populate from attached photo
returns 5:53
